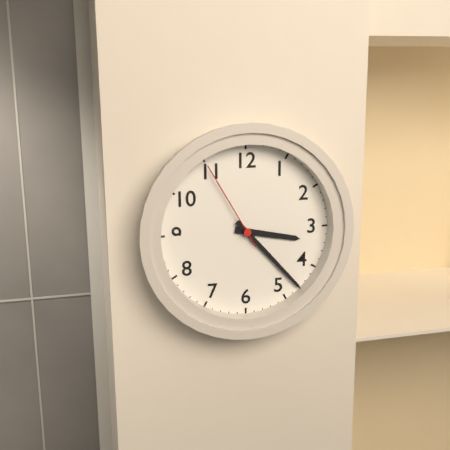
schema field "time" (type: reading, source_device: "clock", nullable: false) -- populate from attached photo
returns 3:23:55
